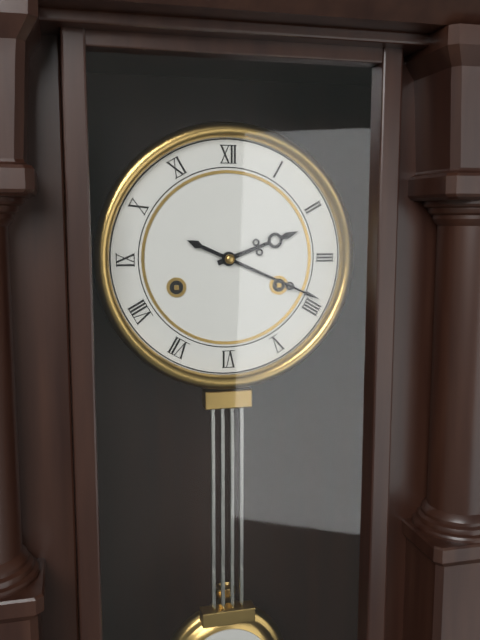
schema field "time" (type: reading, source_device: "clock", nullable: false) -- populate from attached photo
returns 2:19
